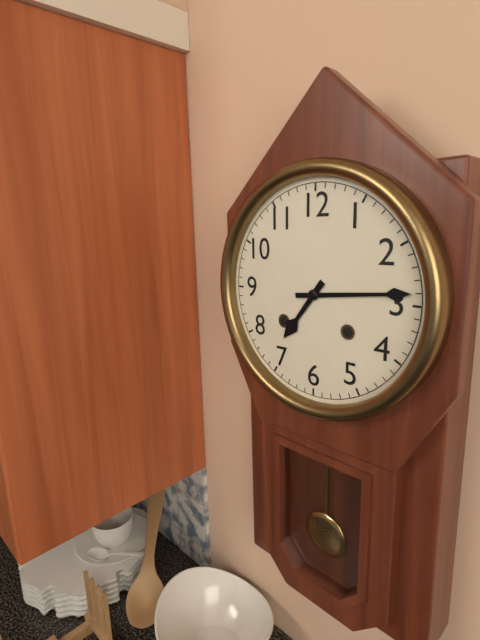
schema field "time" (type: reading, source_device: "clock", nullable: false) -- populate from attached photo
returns 7:14
